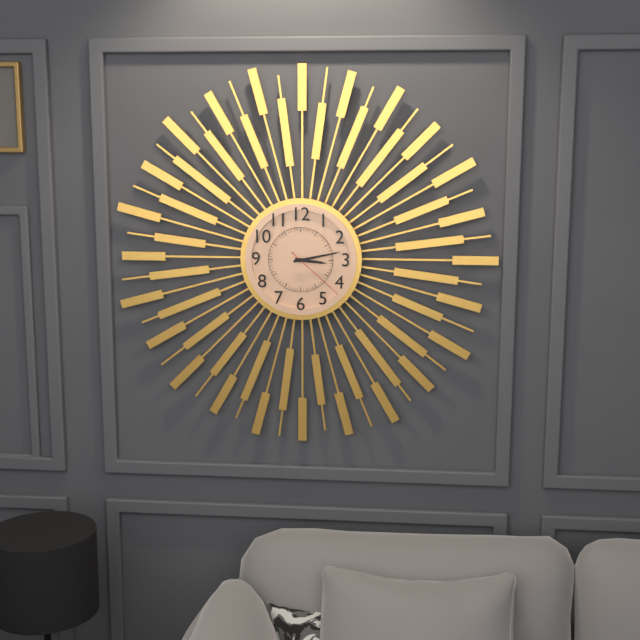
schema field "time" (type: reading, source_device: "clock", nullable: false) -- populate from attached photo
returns 3:13:22
